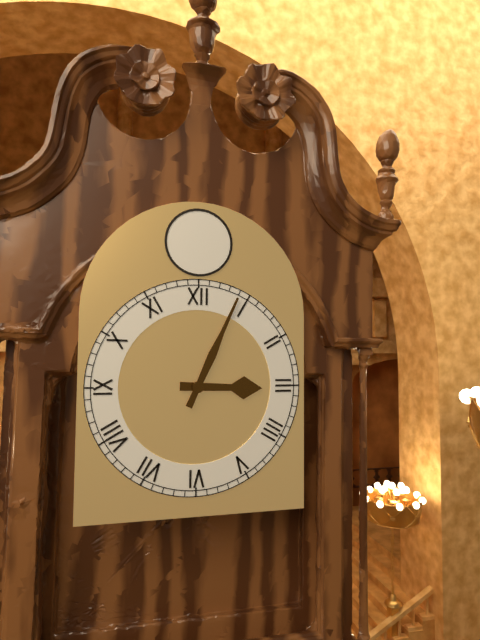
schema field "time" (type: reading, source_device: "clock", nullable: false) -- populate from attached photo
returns 3:04
